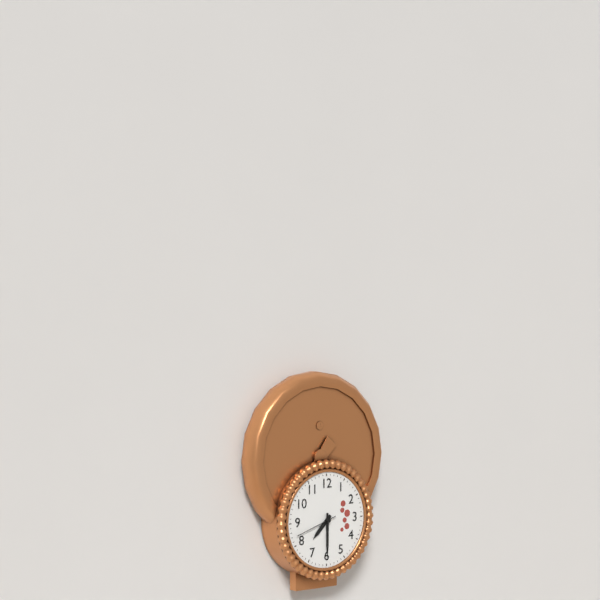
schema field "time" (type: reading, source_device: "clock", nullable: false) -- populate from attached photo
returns 7:30
